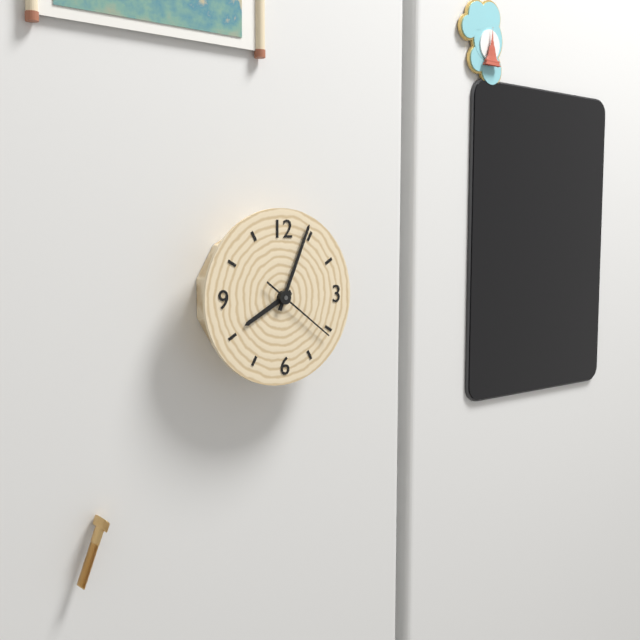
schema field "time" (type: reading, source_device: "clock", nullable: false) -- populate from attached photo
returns 8:04:21
